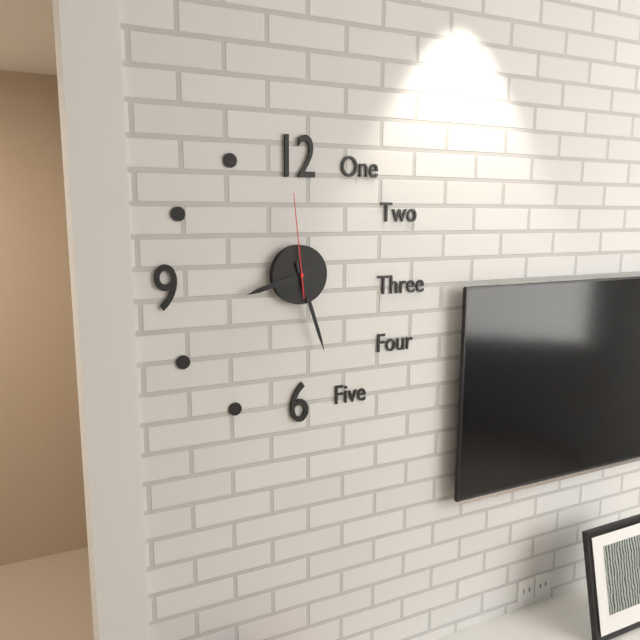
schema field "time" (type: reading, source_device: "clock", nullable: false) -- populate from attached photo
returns 8:27:59
